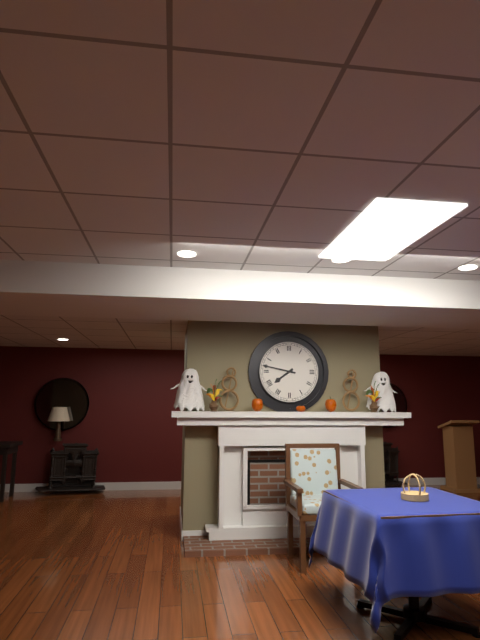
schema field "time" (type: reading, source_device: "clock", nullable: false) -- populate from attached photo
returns 7:47
